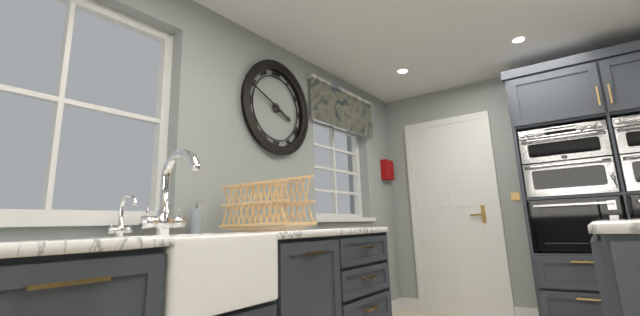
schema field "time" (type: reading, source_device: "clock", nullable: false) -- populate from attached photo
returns 3:49
